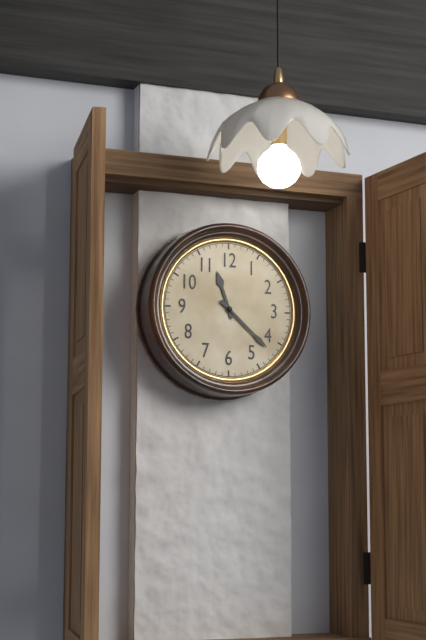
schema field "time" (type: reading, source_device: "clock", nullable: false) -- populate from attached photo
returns 11:22
